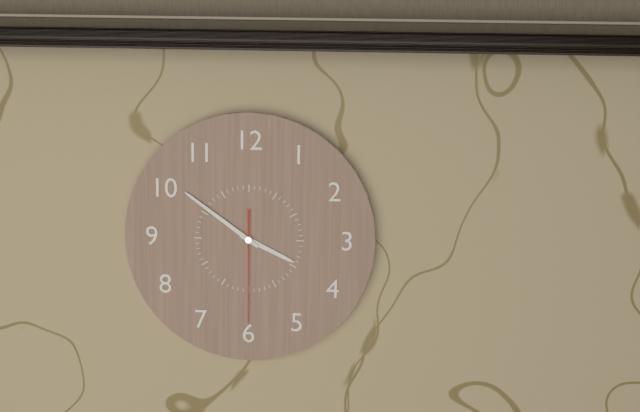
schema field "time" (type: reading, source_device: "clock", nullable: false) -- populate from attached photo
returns 3:51:30
